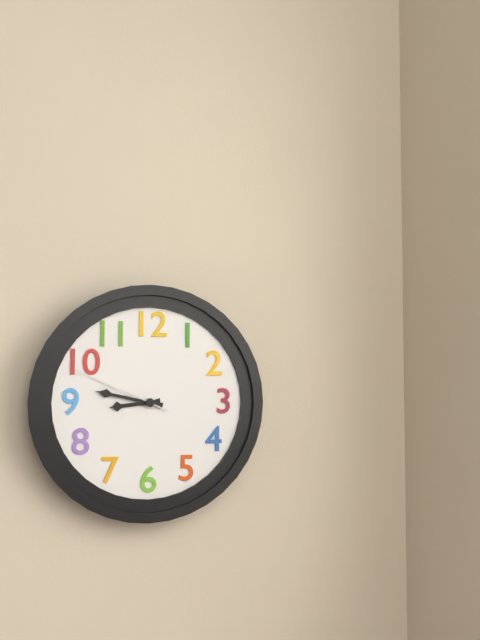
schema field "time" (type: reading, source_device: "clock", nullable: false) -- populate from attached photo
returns 8:47:49
